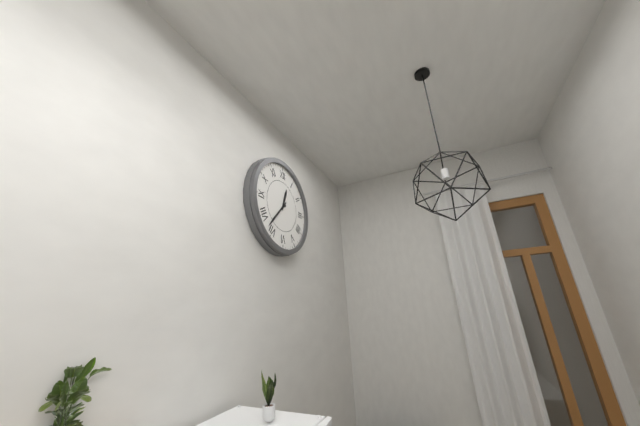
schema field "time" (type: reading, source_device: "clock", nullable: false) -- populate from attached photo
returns 12:37
